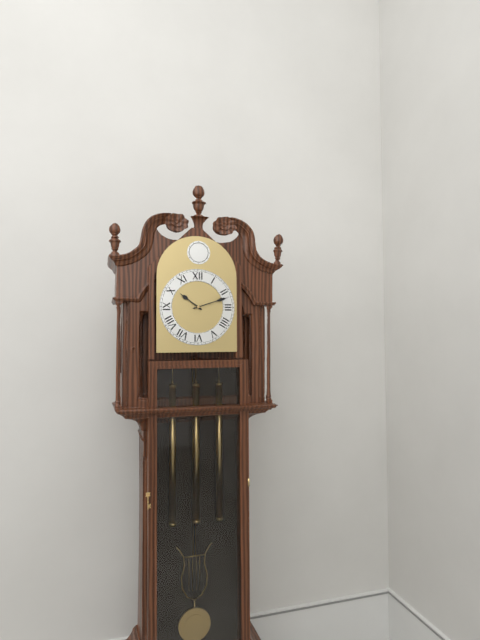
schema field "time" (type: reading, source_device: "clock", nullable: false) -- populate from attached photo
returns 10:12
